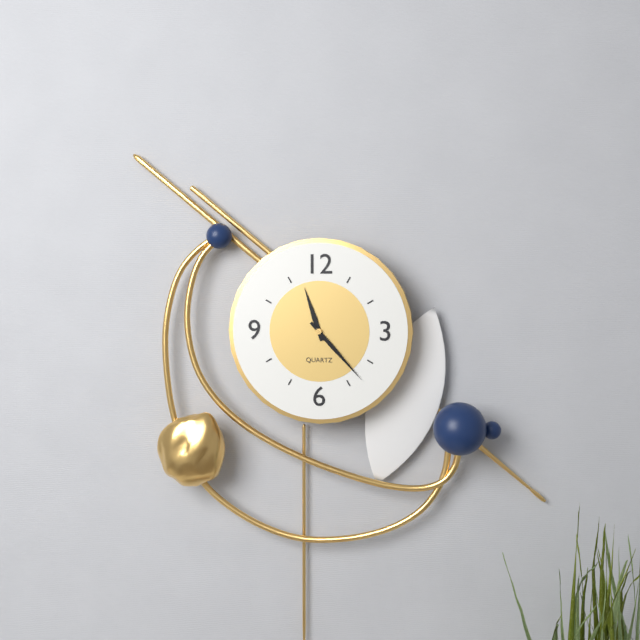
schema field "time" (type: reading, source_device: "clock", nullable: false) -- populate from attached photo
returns 11:23
